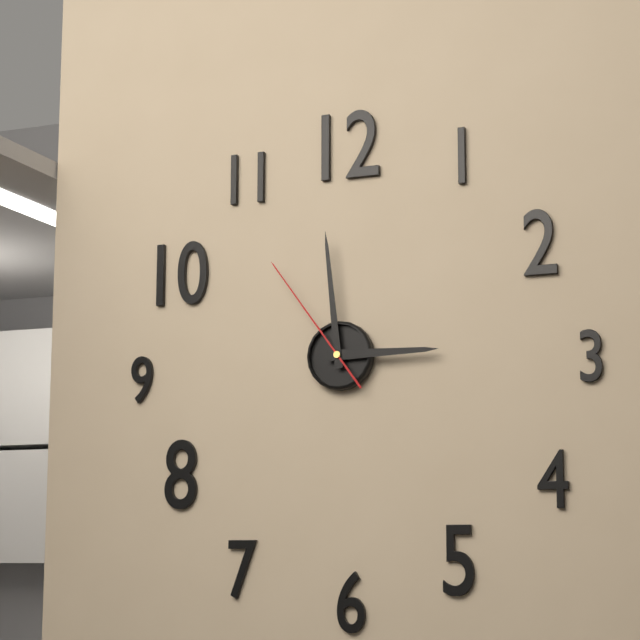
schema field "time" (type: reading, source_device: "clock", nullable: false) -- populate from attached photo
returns 2:59:54
